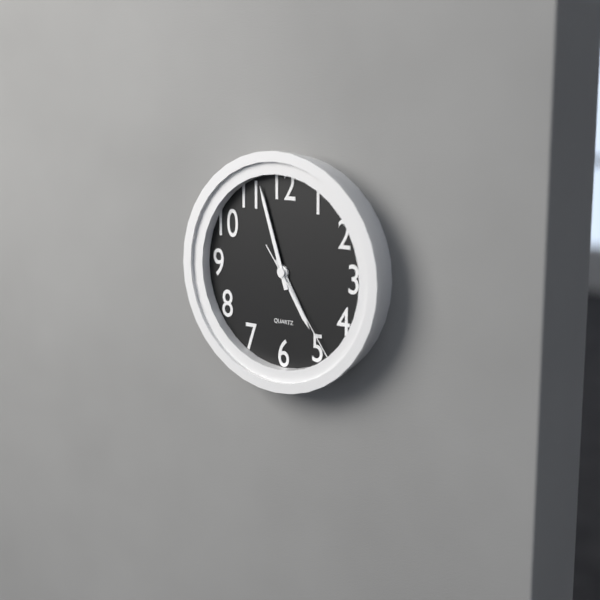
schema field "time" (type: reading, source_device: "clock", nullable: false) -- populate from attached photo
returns 4:57:24
